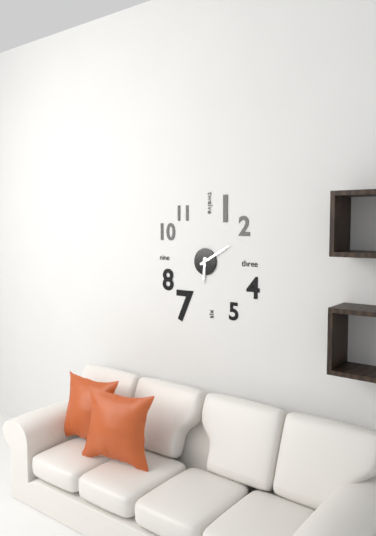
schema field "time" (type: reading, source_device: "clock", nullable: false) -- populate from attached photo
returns 6:10
